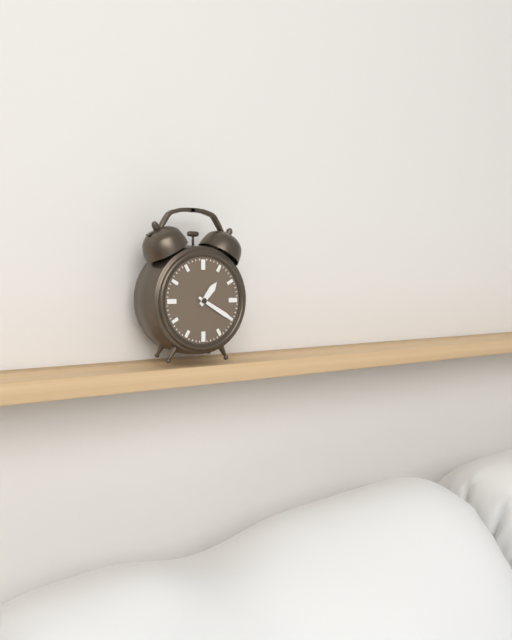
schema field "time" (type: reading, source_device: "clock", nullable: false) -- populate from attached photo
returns 1:20
